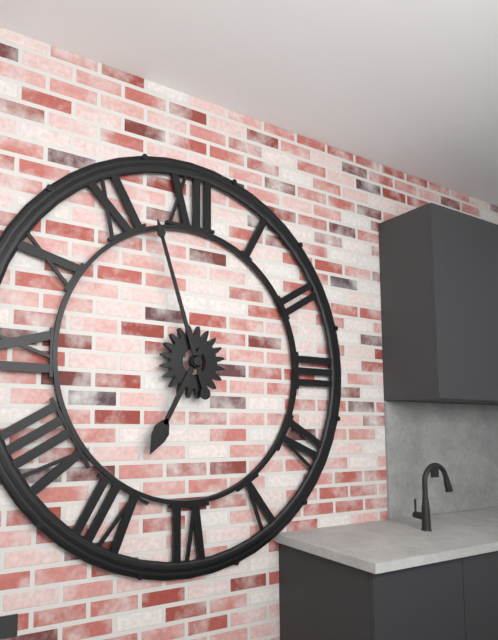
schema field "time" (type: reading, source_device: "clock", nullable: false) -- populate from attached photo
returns 6:57
